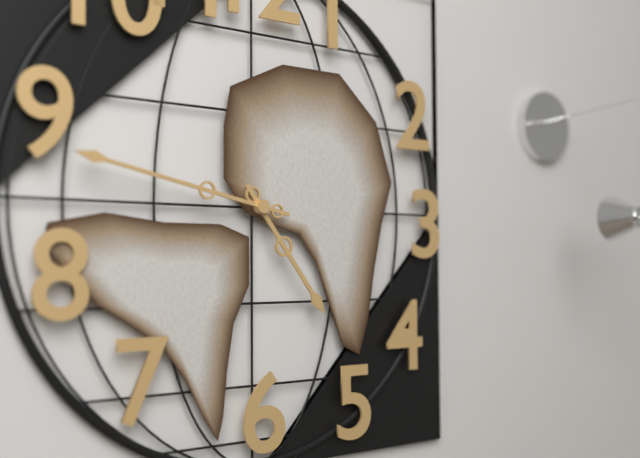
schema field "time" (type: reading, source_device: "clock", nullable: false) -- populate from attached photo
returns 4:47
